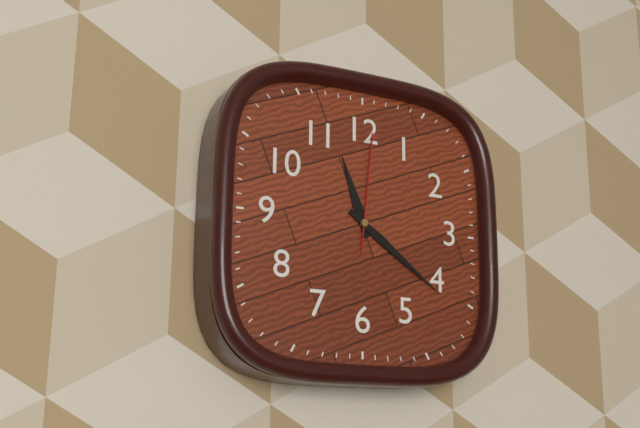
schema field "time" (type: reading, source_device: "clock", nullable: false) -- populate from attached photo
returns 11:21:01
